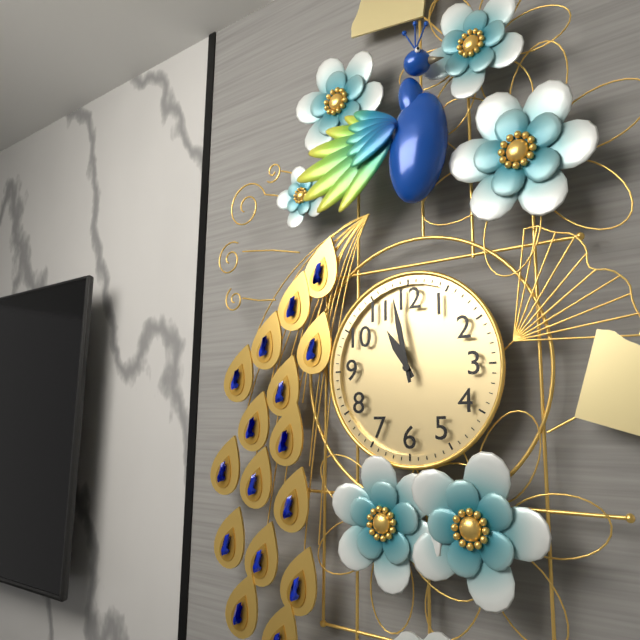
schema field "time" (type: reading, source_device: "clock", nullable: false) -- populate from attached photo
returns 10:58
